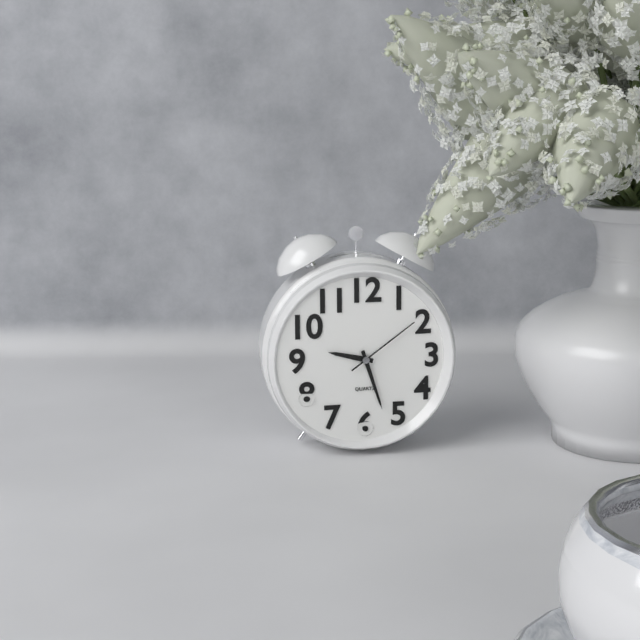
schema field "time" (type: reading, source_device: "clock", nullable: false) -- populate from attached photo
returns 9:27:09
